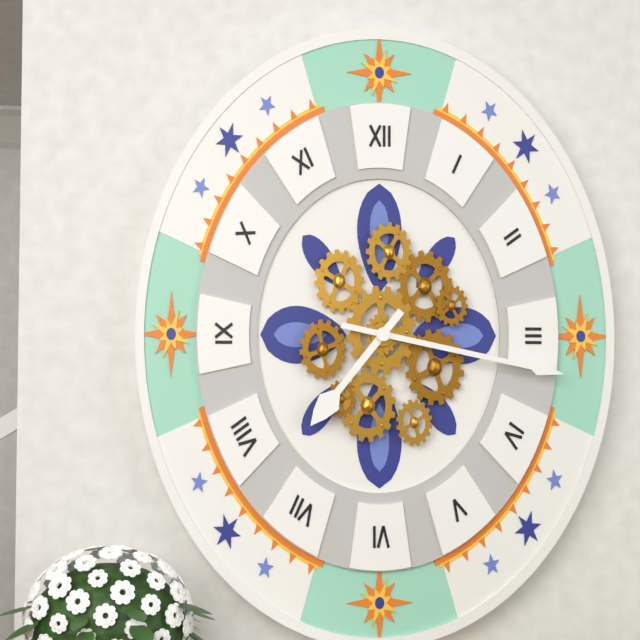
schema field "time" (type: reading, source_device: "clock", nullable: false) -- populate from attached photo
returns 7:17
